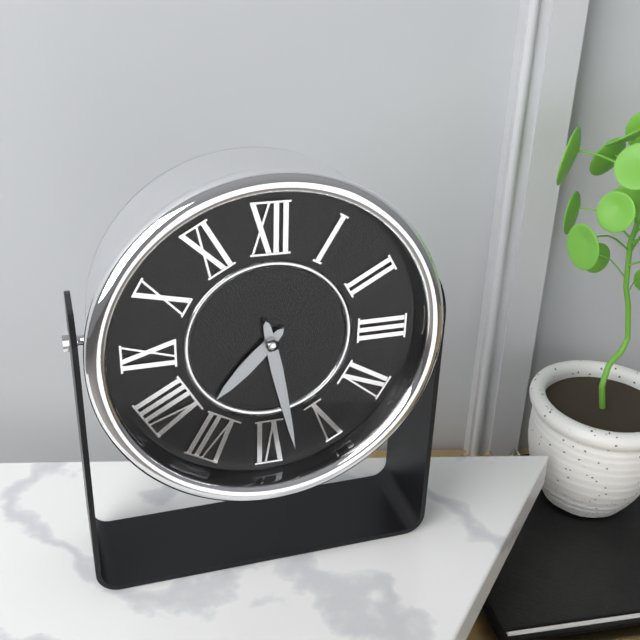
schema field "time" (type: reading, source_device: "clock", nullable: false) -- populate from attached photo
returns 7:28
